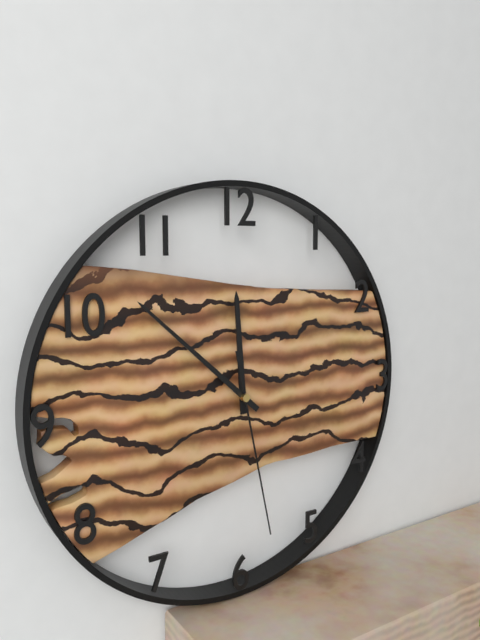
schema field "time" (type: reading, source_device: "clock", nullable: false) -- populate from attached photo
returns 11:52:28
